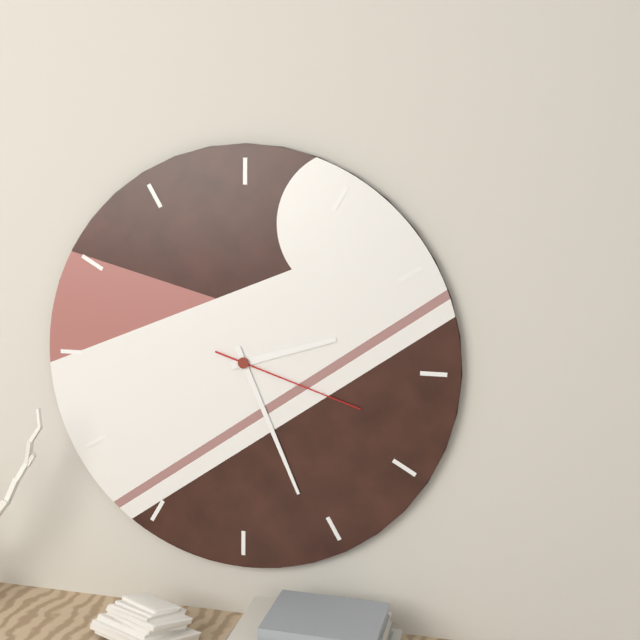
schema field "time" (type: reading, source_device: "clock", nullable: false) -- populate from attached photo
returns 2:26:18
